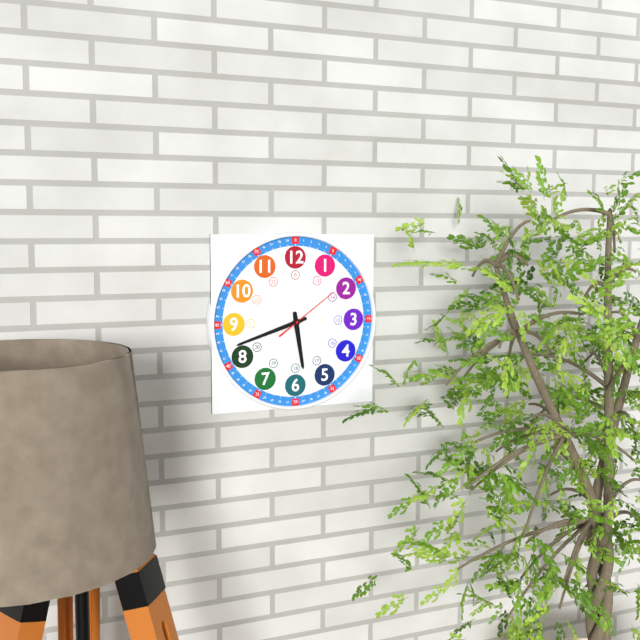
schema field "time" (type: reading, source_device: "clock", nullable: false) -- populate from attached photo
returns 5:42:09
